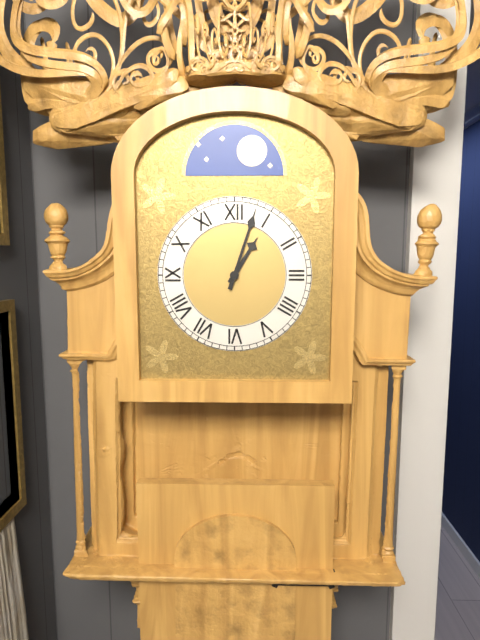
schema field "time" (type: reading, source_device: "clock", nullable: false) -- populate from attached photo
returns 1:03
